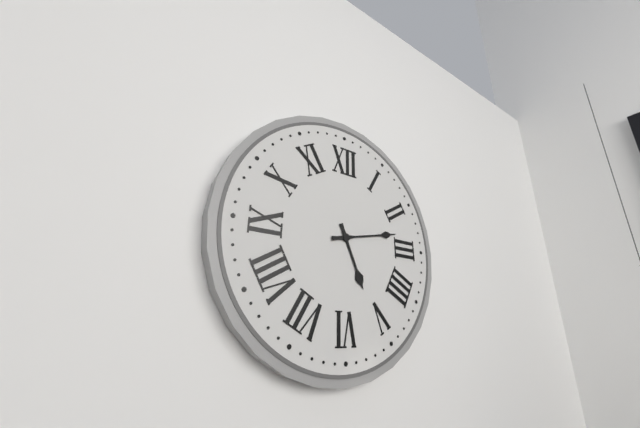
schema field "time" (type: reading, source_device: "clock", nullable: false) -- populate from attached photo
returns 5:13
